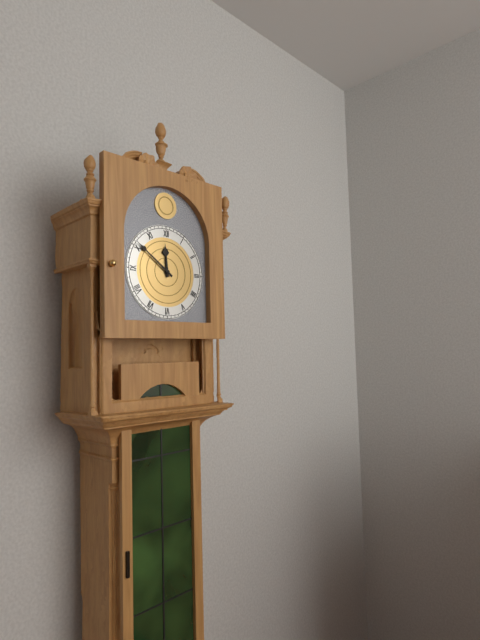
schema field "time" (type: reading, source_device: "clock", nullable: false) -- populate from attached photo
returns 11:51
